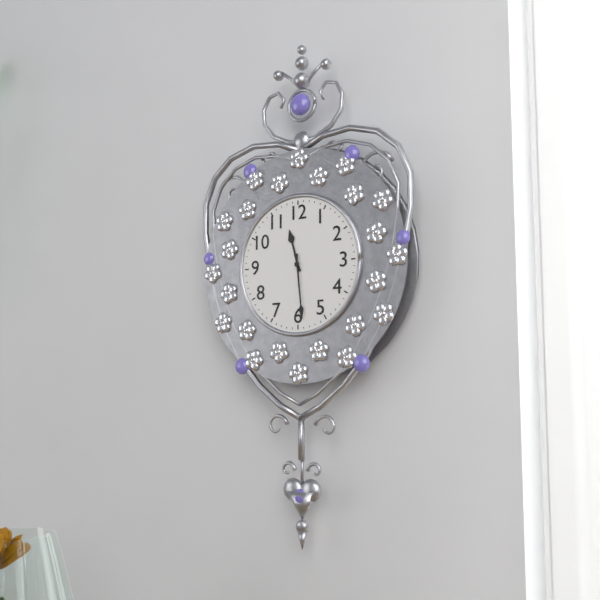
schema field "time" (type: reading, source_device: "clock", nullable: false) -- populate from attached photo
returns 11:29
